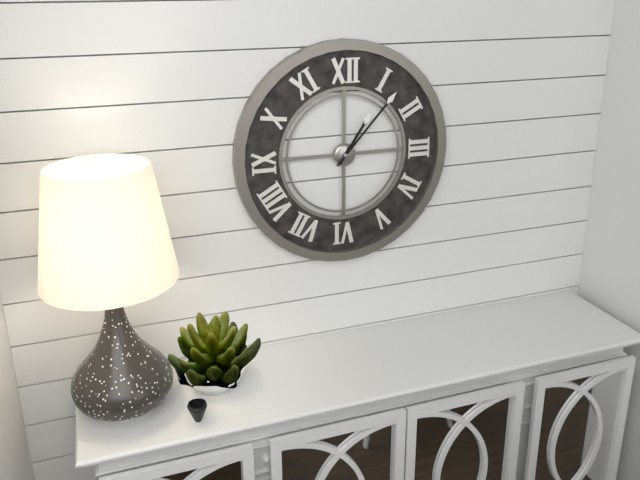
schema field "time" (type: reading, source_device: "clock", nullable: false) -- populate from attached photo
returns 1:07
